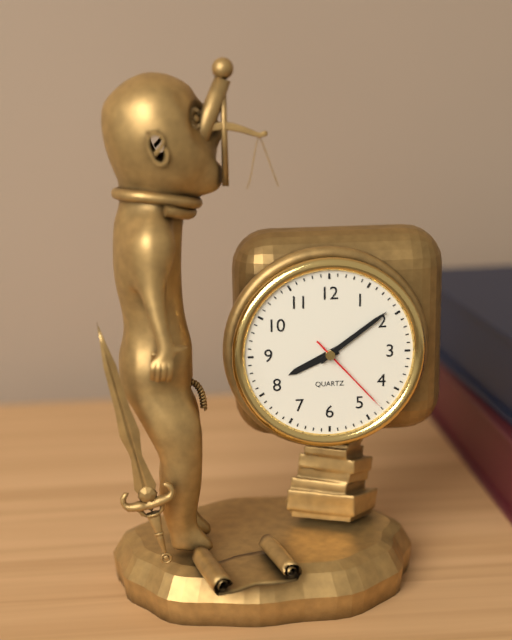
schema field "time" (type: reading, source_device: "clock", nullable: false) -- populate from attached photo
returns 8:09:23
